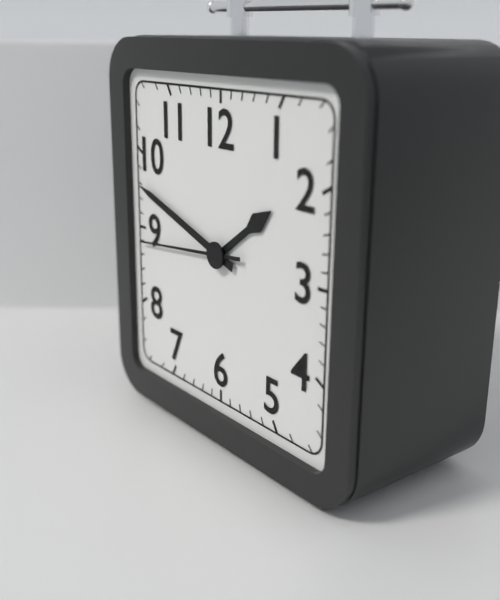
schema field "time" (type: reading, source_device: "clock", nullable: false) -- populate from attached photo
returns 1:48:44
